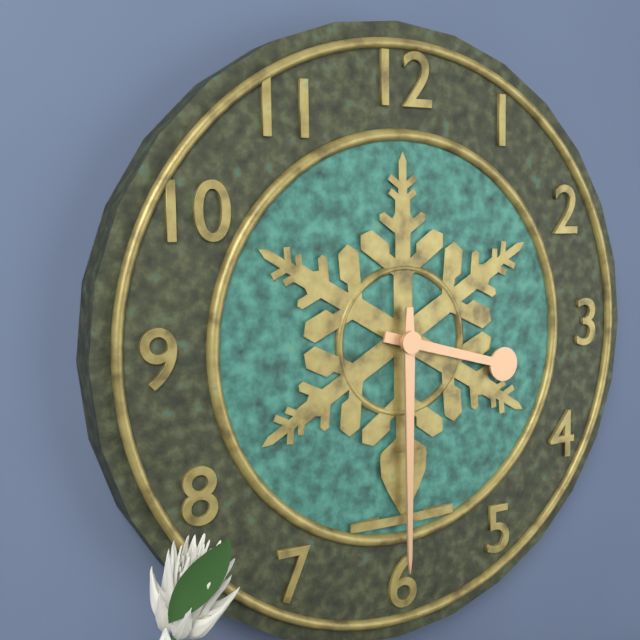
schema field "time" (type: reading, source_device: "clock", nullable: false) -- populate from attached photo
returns 3:30
